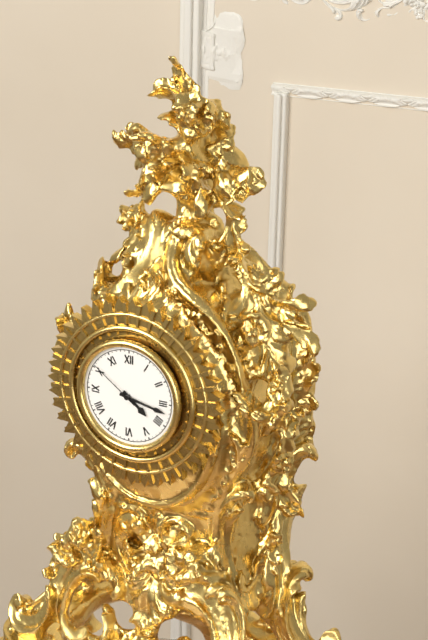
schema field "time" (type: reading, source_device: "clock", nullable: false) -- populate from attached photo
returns 4:17:51
